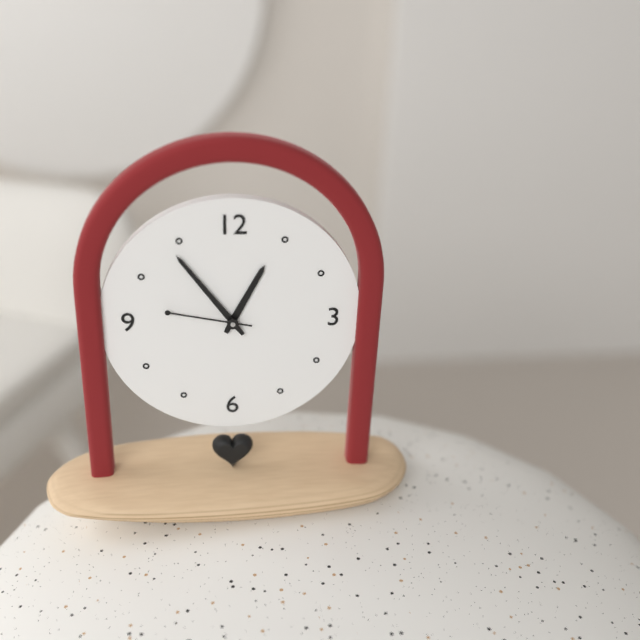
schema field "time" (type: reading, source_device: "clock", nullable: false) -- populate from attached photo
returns 12:54:47
